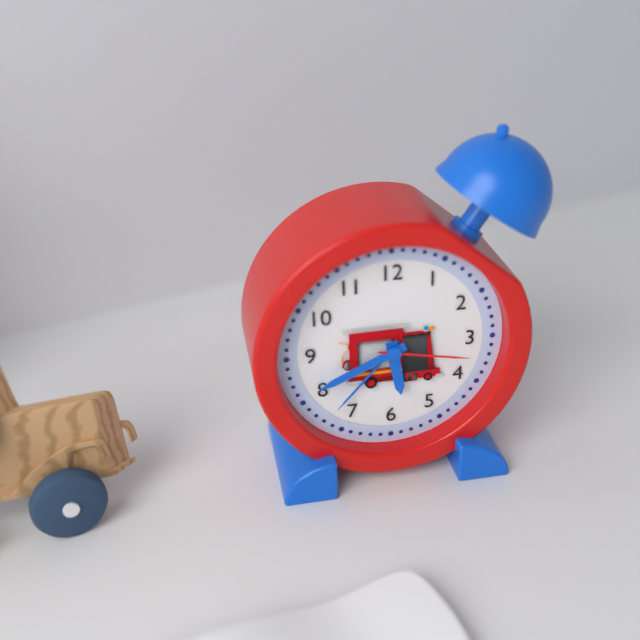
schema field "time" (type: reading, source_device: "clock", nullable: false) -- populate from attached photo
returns 5:41:17
